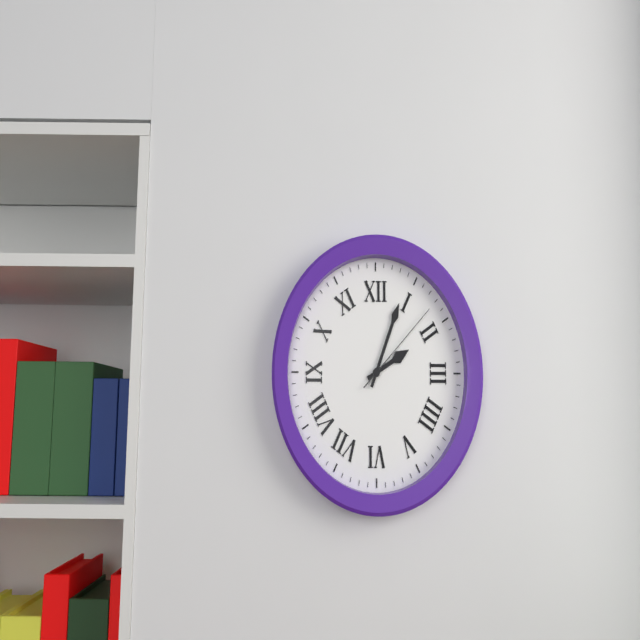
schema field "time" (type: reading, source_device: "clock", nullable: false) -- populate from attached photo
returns 2:04:08
